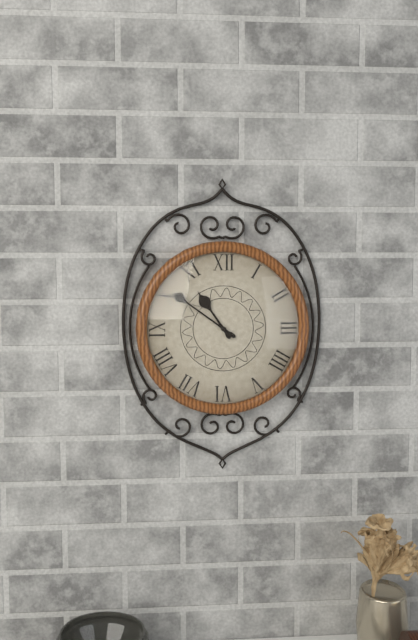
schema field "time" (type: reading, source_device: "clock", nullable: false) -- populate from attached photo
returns 10:51
